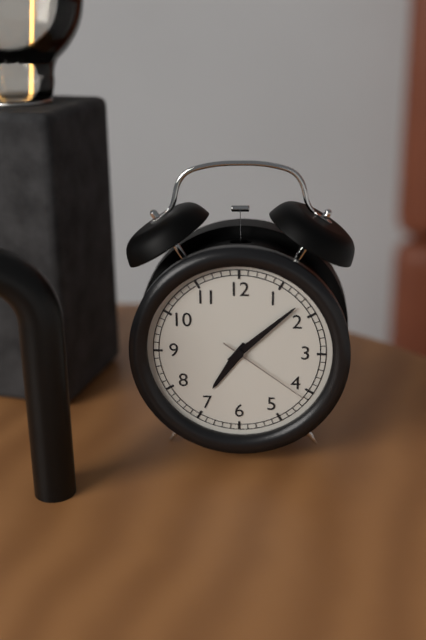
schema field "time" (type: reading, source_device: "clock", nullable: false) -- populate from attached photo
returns 7:08:21
